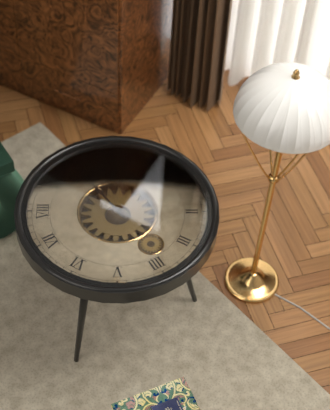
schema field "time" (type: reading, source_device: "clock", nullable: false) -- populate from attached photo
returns 9:49
